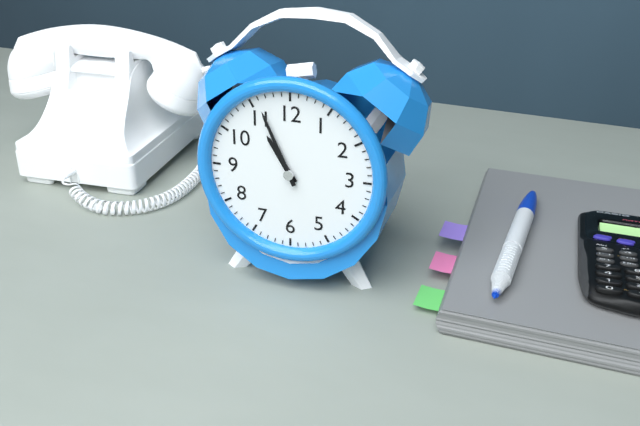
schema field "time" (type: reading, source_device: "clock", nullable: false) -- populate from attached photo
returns 10:56
